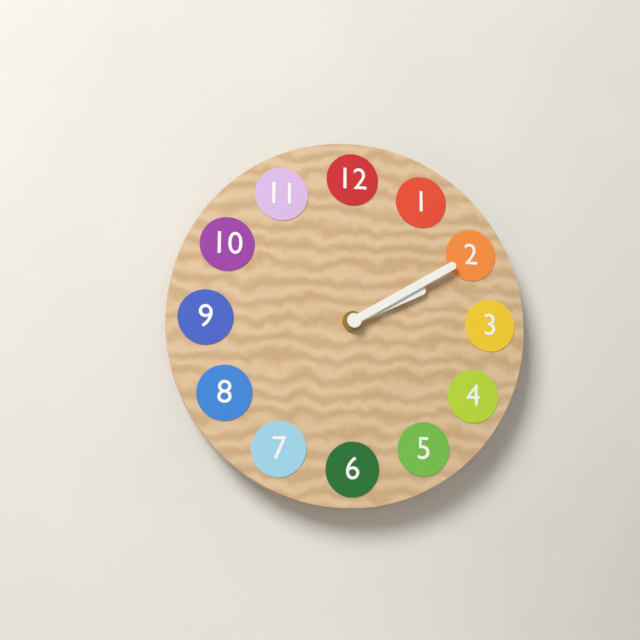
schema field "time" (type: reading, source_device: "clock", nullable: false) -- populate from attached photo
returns 2:10
